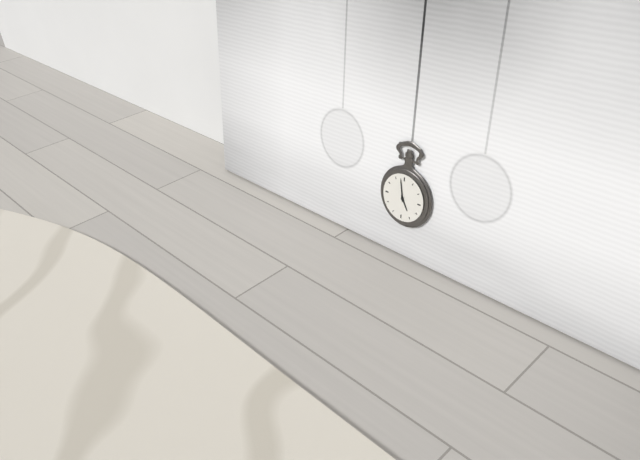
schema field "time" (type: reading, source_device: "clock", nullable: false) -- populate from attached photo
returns 4:58
